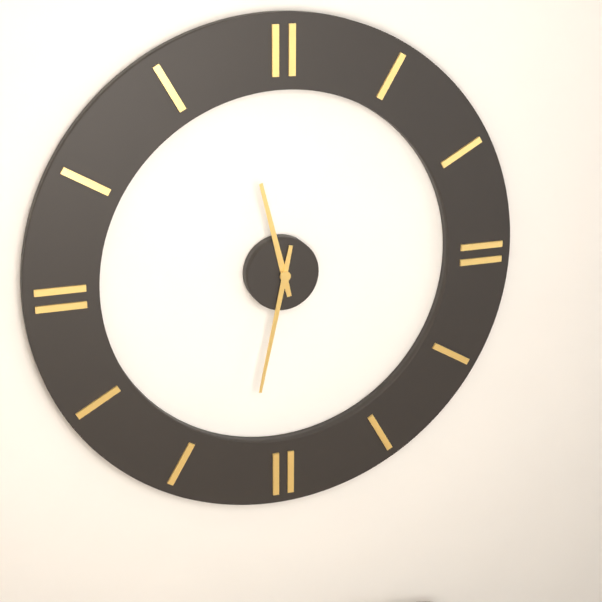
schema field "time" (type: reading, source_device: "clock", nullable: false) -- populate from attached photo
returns 11:32
